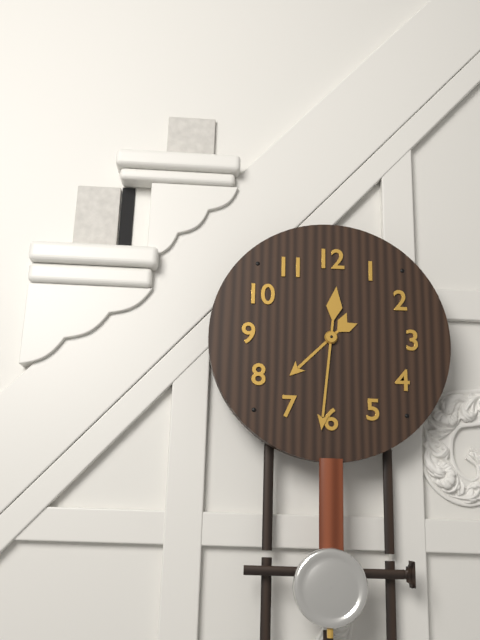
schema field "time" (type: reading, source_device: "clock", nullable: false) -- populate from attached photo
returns 7:31
